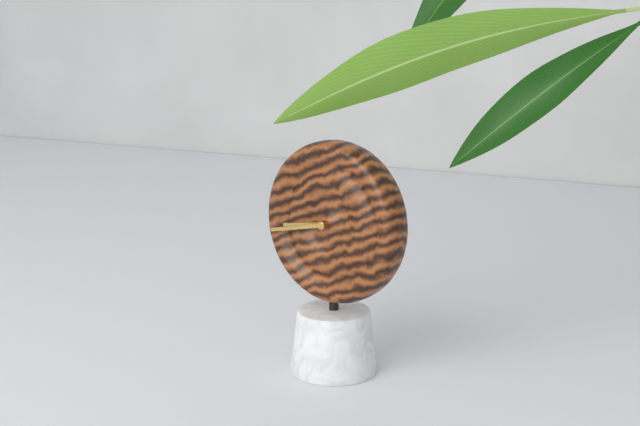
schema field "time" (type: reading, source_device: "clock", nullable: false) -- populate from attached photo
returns 8:43
